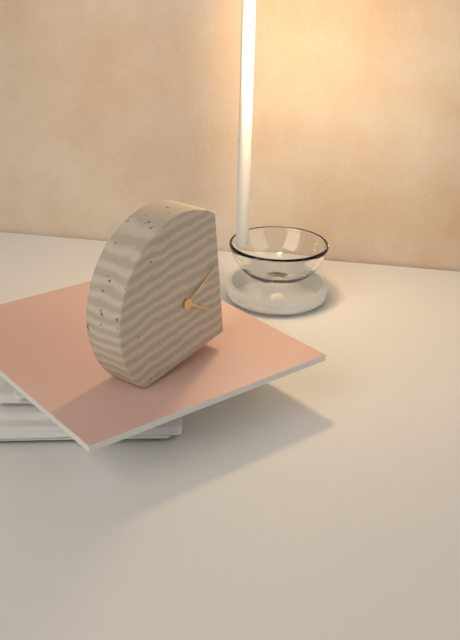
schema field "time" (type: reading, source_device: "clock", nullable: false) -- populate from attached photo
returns 4:11
